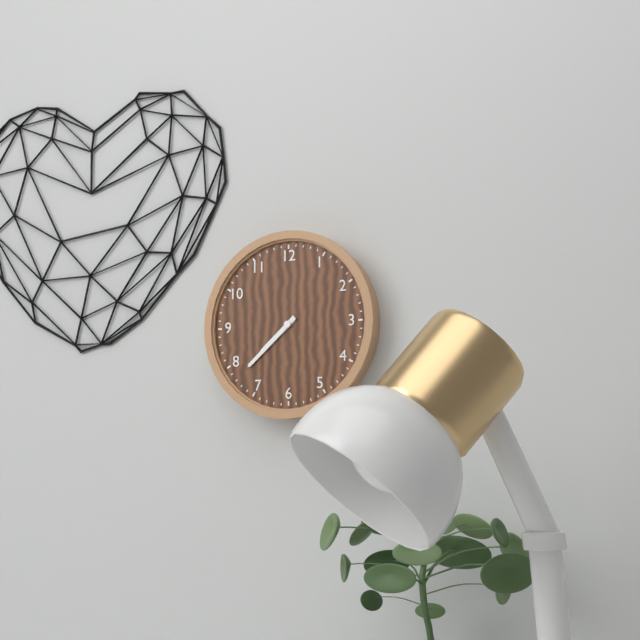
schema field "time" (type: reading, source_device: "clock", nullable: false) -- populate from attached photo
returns 7:38
